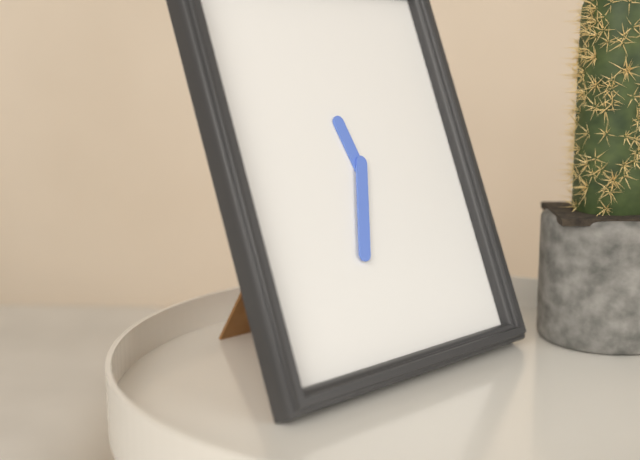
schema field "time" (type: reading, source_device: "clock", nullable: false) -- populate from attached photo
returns 11:33
